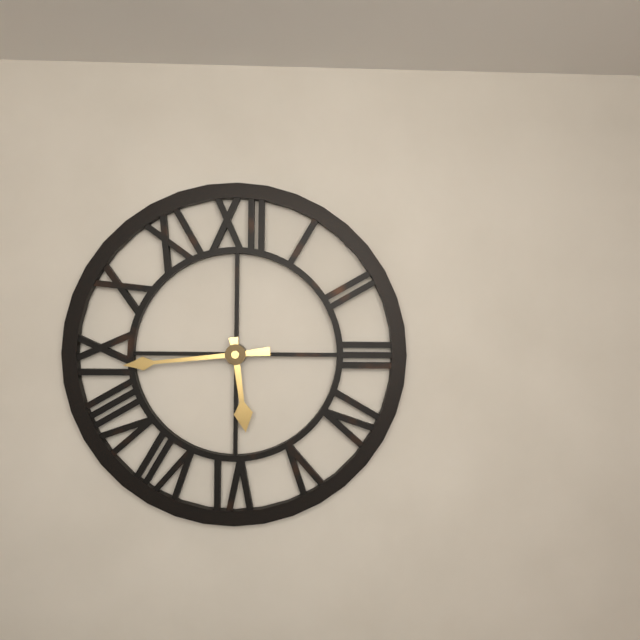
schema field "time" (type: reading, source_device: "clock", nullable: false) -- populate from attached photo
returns 5:44
